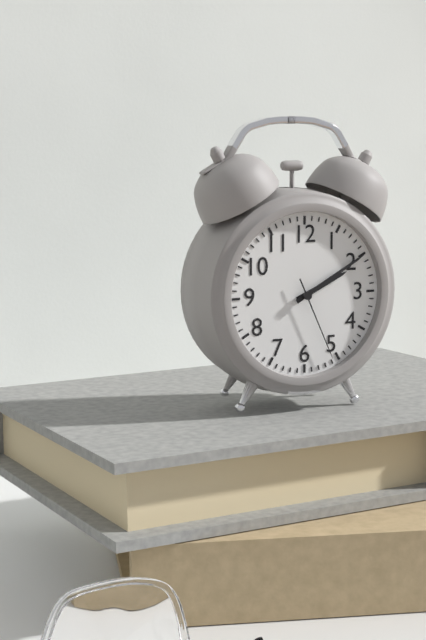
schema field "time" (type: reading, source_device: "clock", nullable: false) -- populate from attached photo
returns 2:10:26
